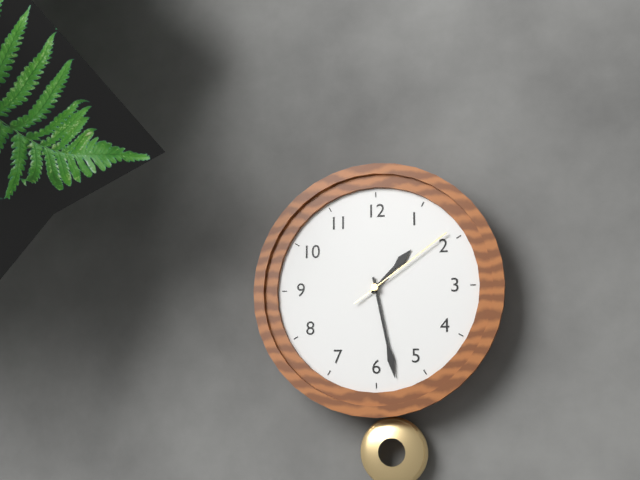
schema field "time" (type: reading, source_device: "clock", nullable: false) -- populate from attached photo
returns 1:28:09
